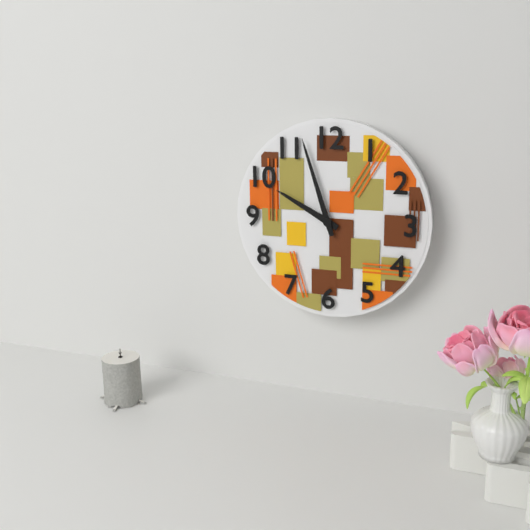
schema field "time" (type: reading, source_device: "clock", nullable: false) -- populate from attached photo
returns 9:57
